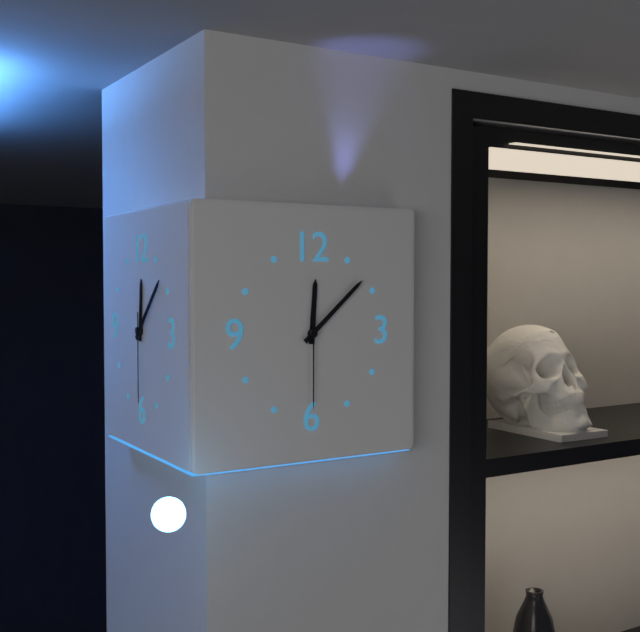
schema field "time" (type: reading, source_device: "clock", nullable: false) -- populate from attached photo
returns 12:08:30
